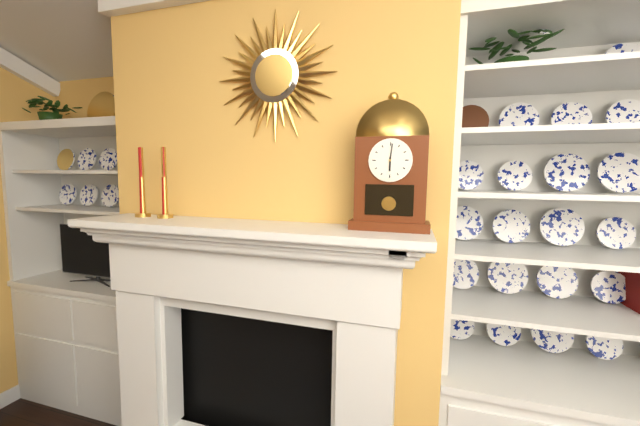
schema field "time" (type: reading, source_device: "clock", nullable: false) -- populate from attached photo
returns 6:01
